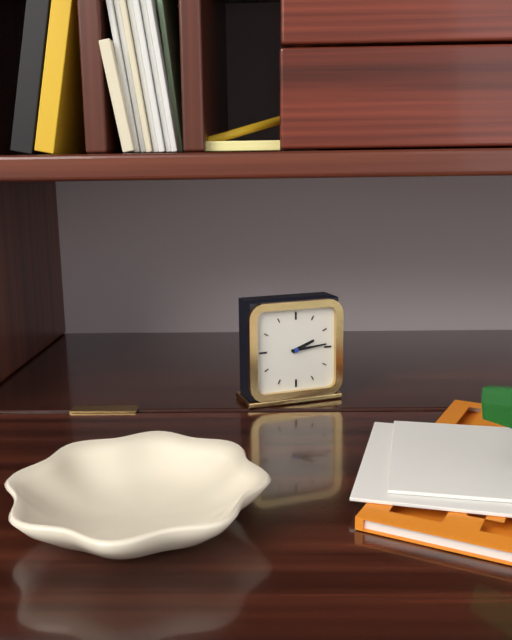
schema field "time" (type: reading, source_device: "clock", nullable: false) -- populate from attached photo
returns 2:14
